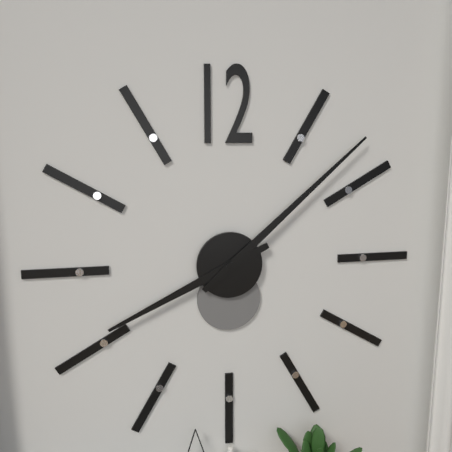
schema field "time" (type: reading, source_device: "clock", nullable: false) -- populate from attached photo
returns 8:08
